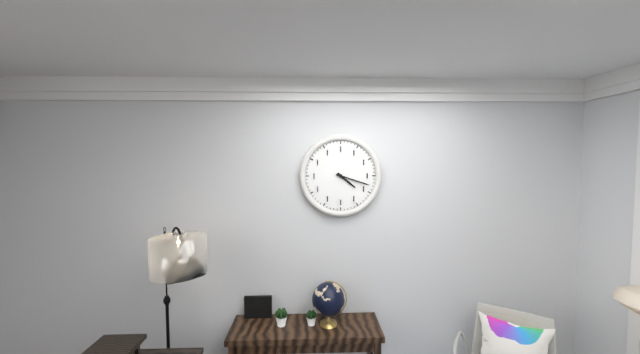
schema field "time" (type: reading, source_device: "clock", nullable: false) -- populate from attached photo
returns 4:18
